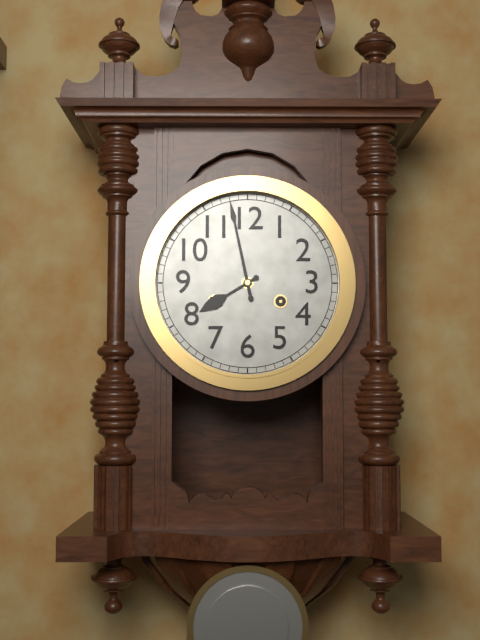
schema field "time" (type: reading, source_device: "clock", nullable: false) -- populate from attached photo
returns 7:58
